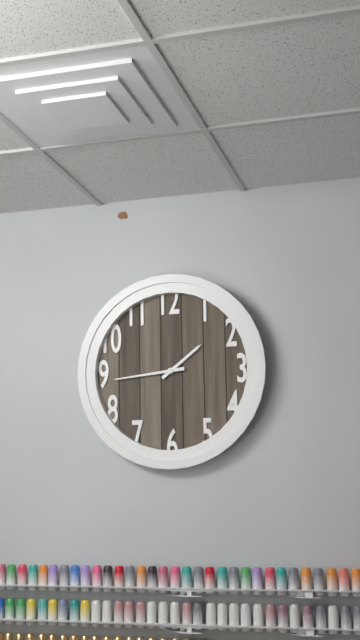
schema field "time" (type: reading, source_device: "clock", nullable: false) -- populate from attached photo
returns 1:44
